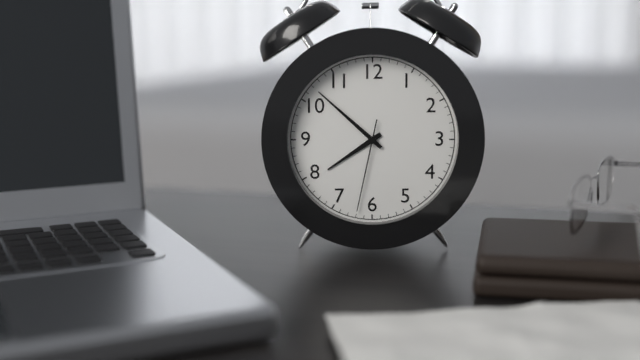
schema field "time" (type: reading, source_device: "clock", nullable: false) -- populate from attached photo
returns 7:52:32
